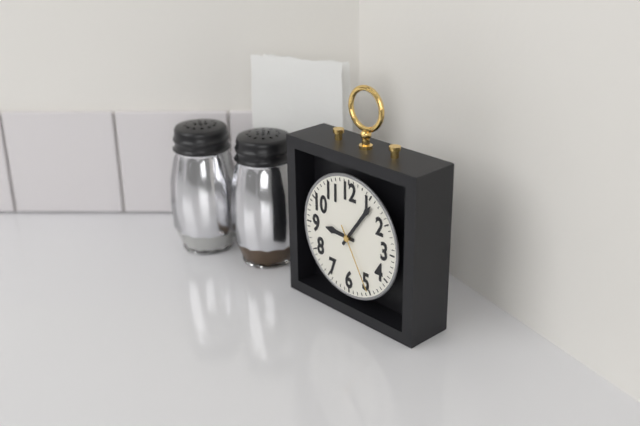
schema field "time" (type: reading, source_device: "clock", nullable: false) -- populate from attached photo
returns 9:06:25
